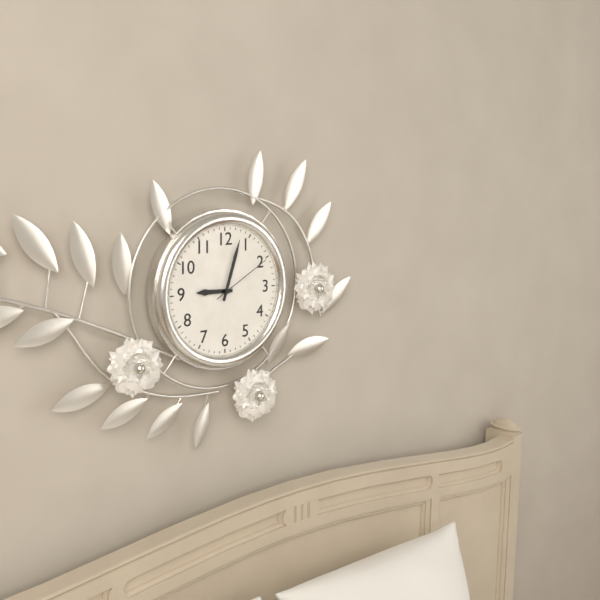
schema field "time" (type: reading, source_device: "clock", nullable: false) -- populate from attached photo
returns 9:03:10
